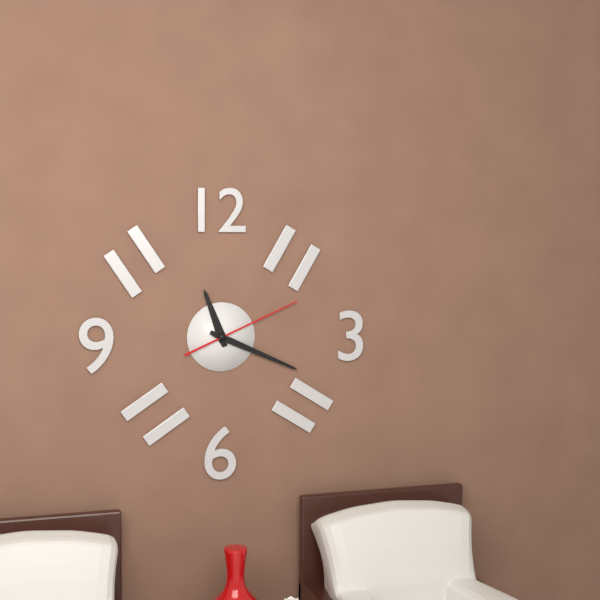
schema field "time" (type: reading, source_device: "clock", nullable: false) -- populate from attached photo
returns 11:19:11
